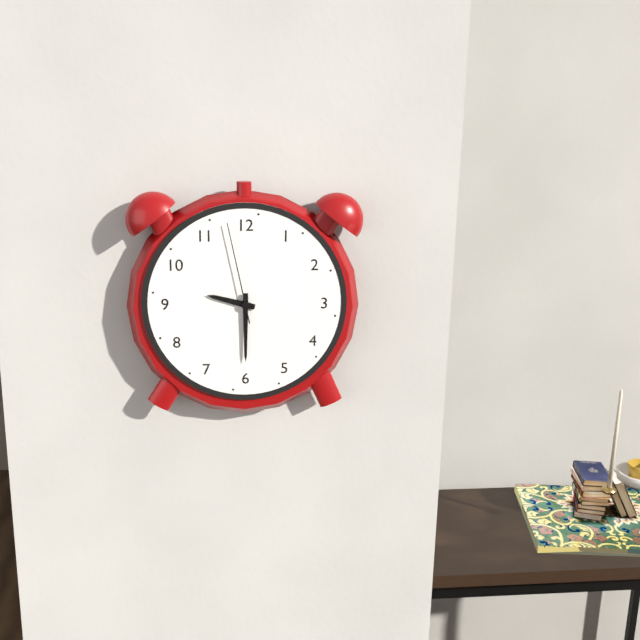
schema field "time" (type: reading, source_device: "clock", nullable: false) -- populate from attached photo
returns 9:30:58
